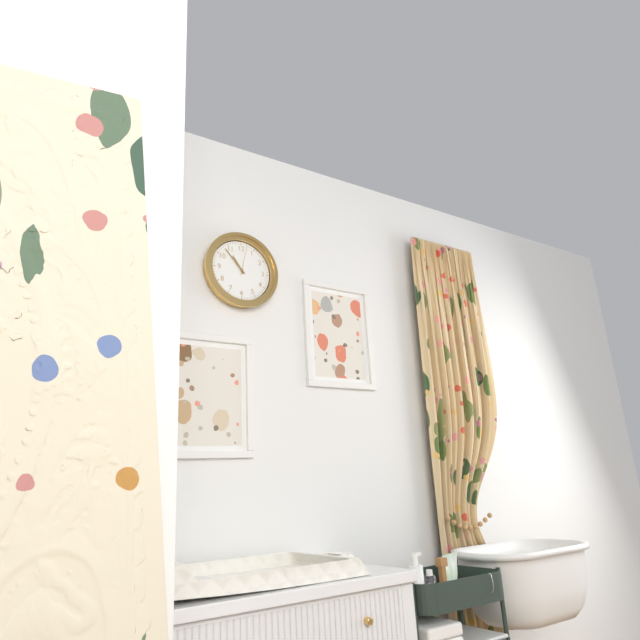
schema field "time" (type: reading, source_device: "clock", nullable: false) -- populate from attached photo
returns 10:53
